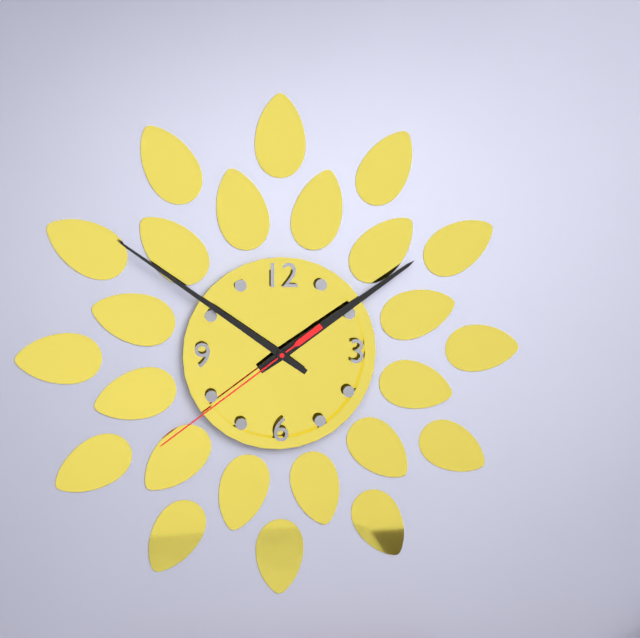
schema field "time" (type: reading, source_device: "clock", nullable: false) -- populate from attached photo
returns 1:51:39
